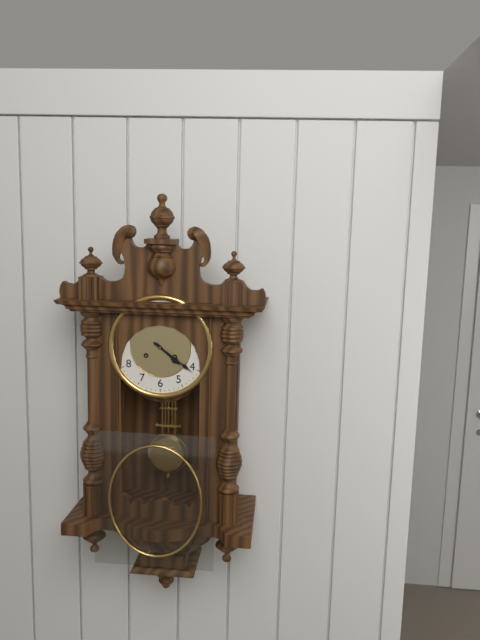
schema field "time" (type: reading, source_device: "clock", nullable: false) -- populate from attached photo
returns 4:21
